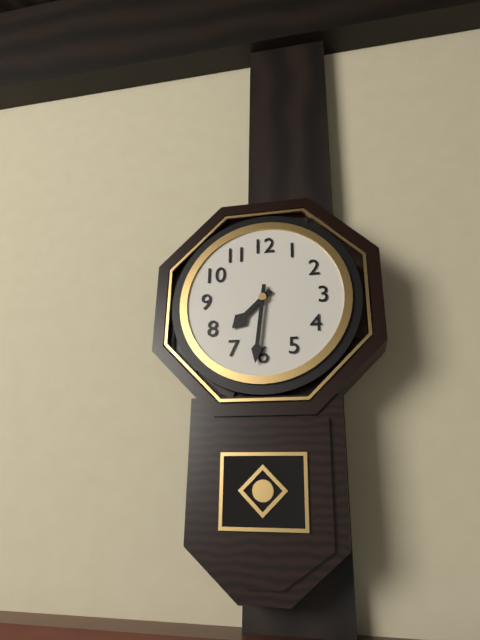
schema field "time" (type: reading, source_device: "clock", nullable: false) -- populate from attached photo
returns 7:31
